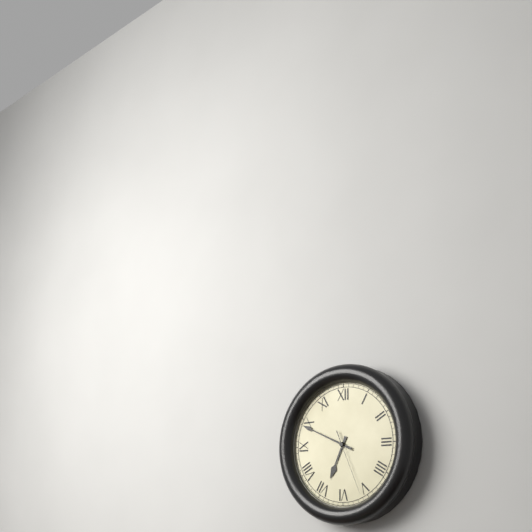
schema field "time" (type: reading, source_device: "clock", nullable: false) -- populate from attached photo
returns 6:49:26
